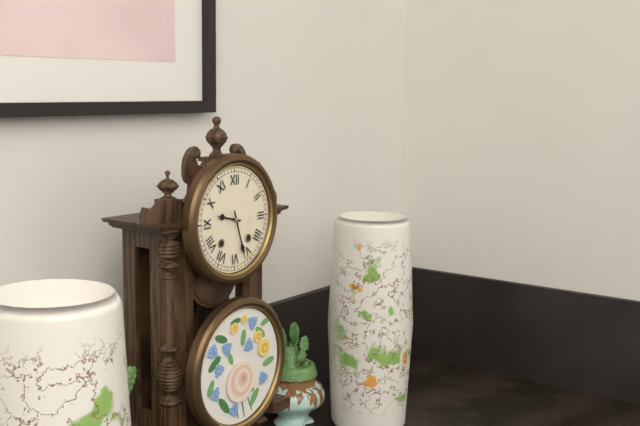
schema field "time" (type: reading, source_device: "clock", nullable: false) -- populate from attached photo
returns 9:27
